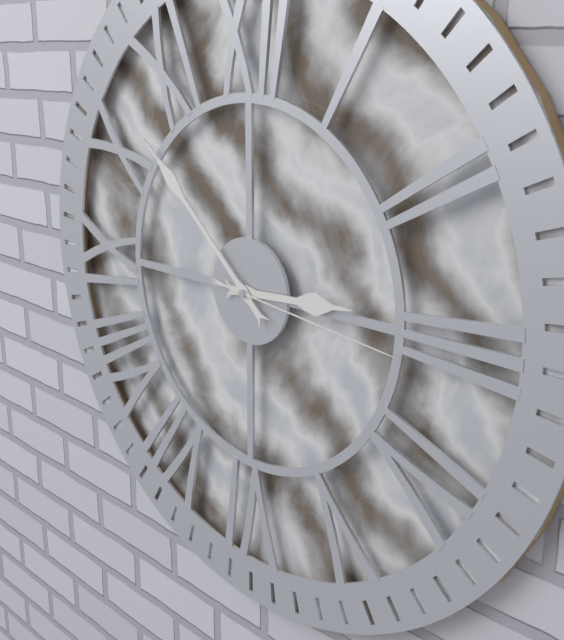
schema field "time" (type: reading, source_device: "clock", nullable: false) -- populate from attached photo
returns 2:52:16
